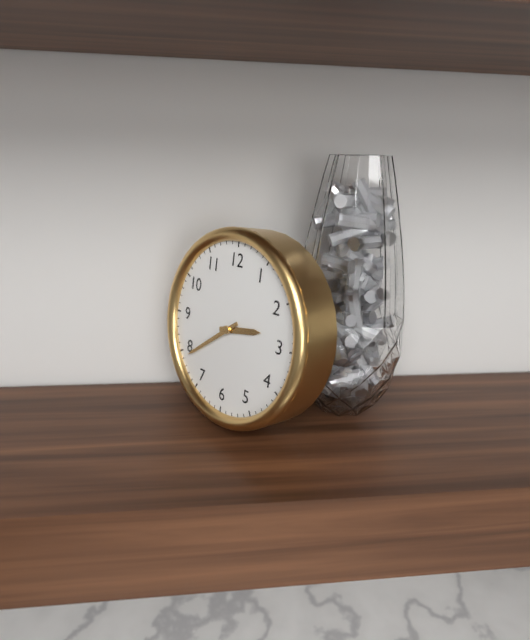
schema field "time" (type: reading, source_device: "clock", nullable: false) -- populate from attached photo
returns 2:39
